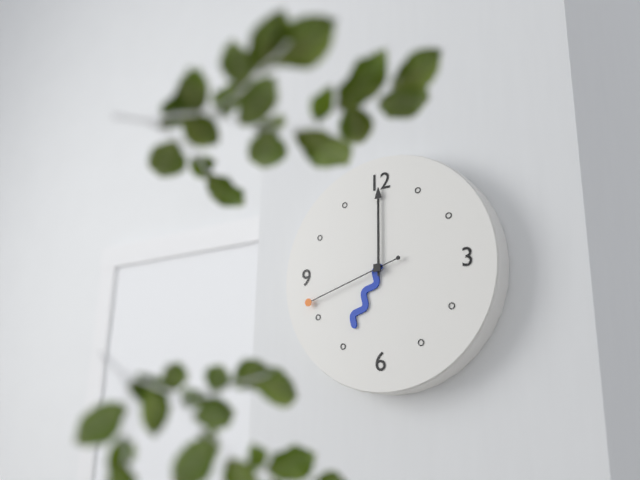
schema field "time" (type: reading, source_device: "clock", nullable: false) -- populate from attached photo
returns 7:00:42
